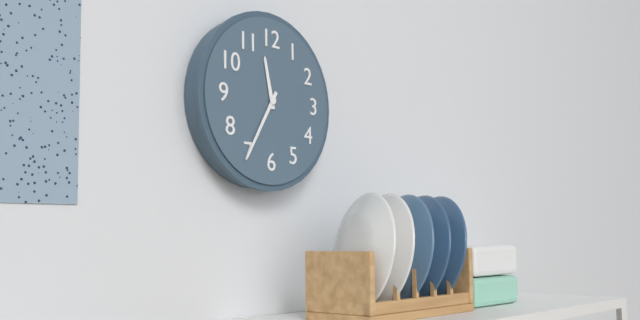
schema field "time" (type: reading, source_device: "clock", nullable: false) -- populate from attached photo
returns 11:35
